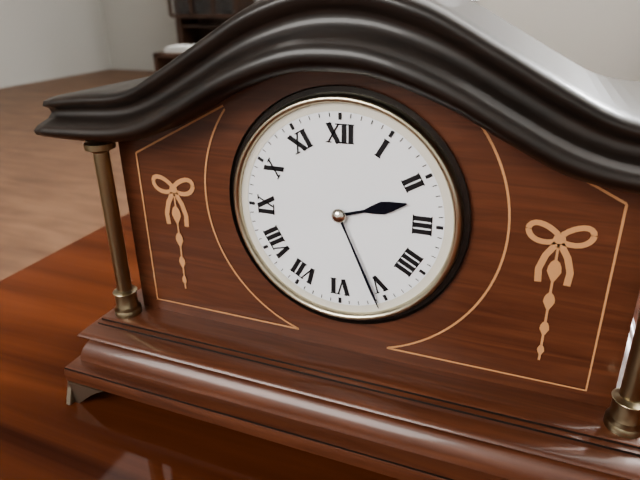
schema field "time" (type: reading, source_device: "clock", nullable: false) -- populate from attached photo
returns 2:26
